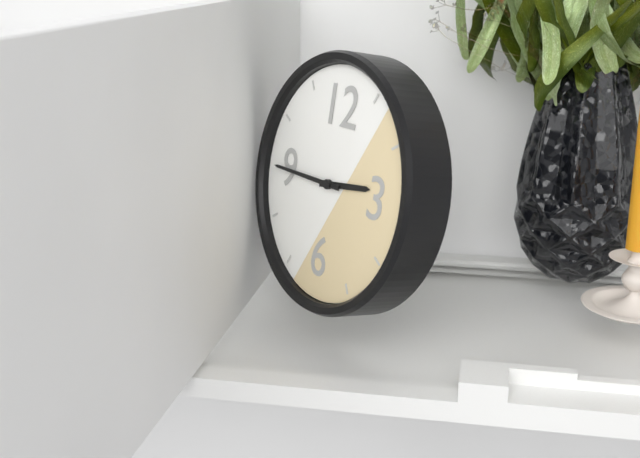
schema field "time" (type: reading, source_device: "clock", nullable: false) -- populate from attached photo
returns 2:45
